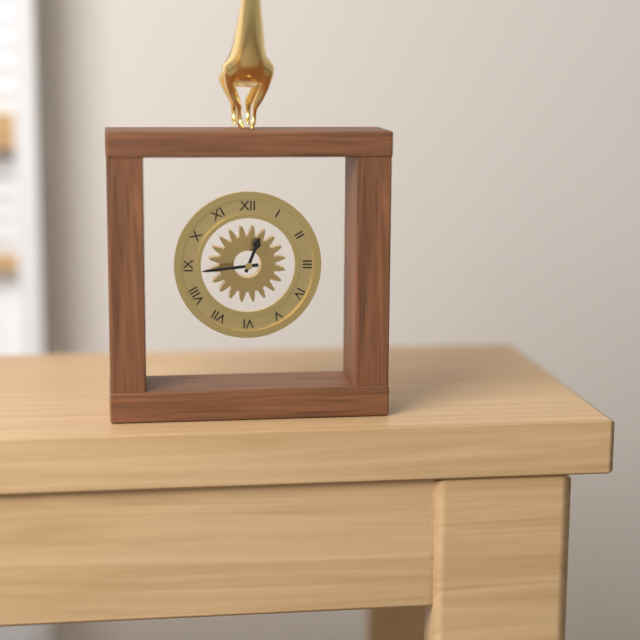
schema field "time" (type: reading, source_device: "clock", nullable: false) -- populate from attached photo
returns 12:44
